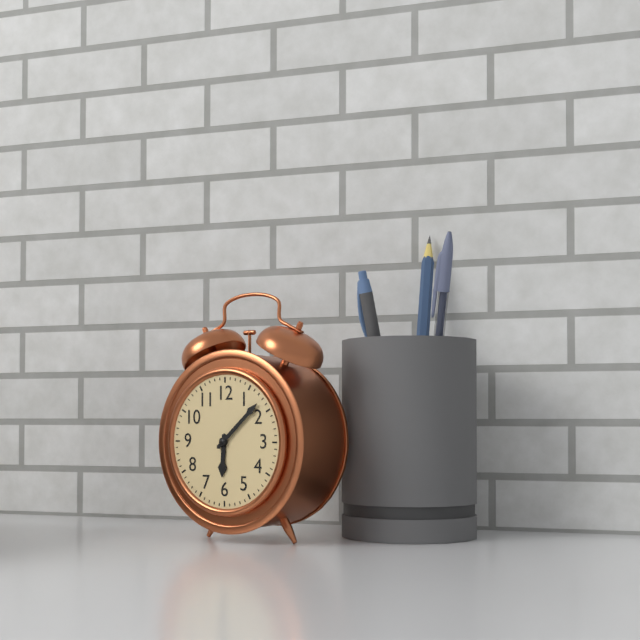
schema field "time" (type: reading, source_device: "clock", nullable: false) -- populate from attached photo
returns 6:08
